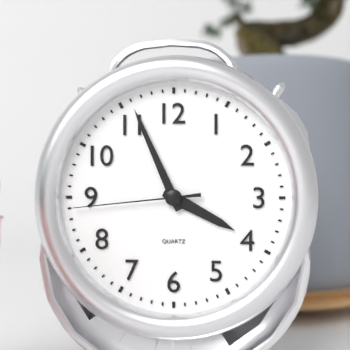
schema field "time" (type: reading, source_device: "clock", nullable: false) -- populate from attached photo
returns 3:56:44
